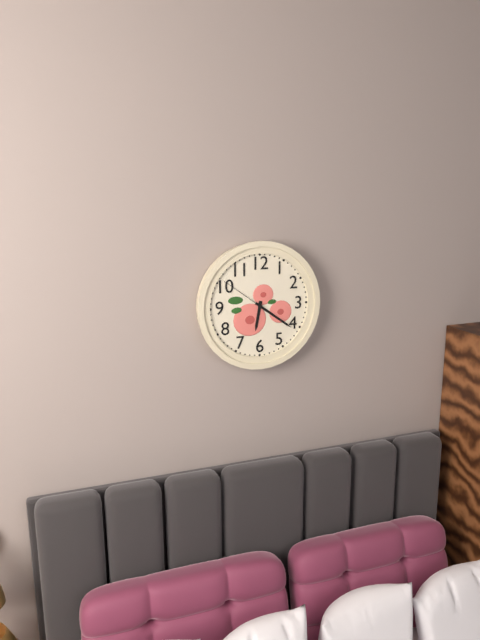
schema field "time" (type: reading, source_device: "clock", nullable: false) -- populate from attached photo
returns 6:21:51
